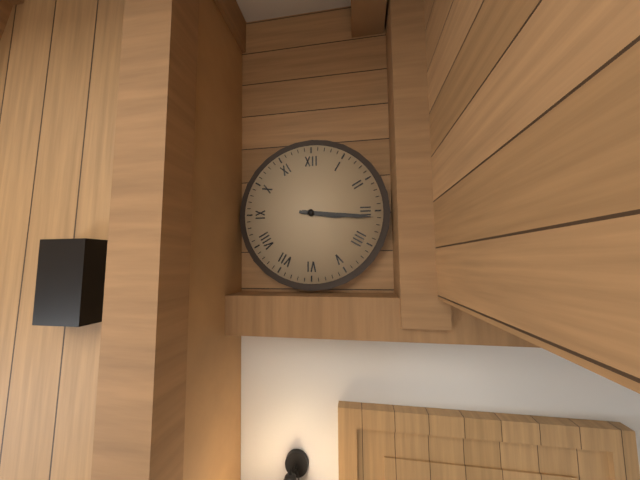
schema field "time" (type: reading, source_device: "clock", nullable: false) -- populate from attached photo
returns 3:16
